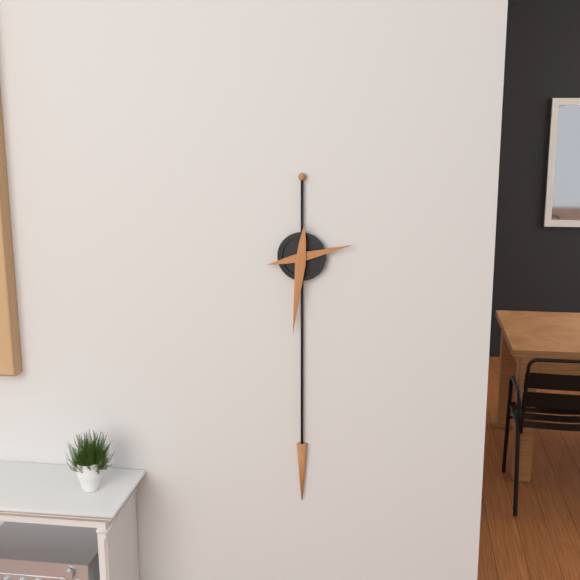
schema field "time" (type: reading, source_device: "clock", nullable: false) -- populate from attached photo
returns 2:31
